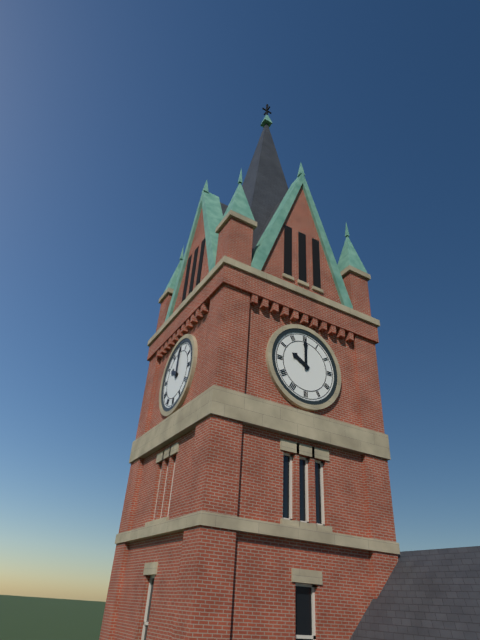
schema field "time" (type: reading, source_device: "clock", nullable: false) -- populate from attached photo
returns 10:00
